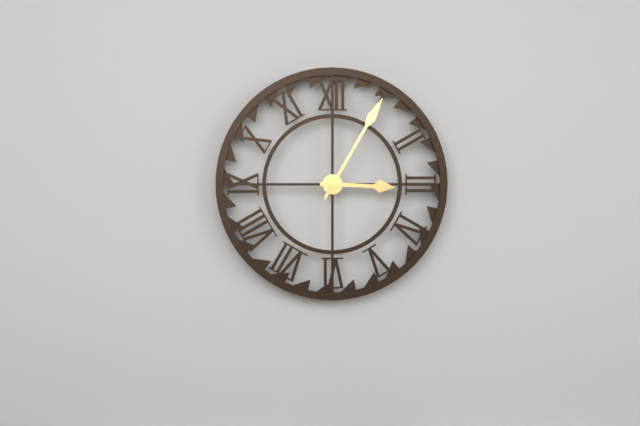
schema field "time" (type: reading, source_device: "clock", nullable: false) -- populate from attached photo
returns 3:05
